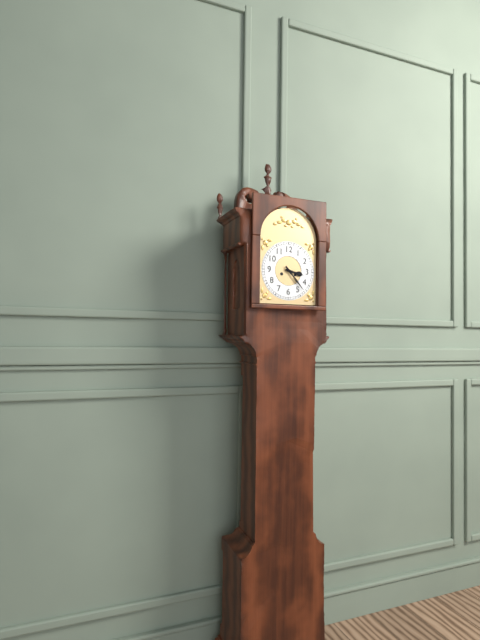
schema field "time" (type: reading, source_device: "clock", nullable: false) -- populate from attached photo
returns 3:23
